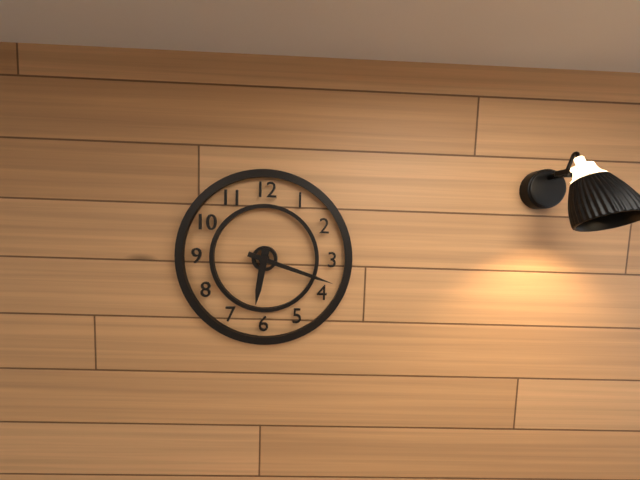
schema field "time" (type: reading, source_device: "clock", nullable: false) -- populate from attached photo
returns 6:18
